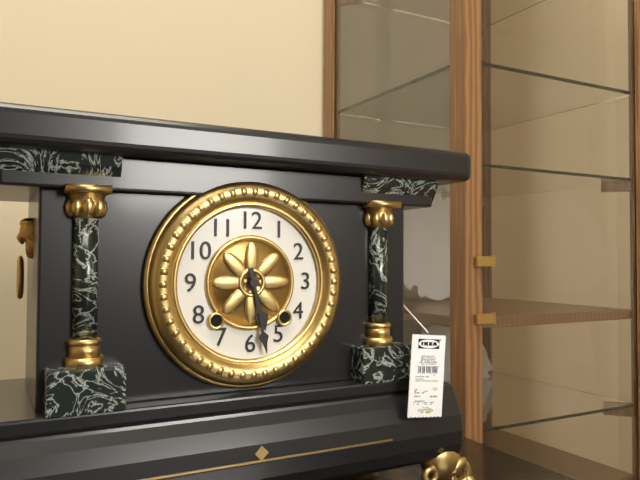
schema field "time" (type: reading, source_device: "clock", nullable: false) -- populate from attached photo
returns 5:28
